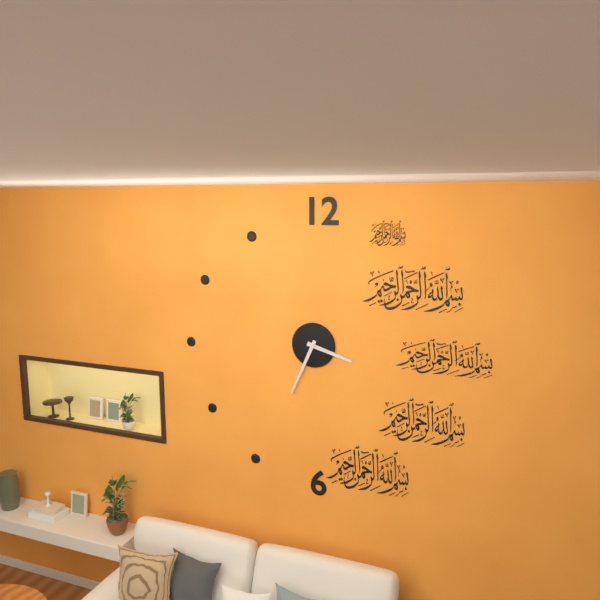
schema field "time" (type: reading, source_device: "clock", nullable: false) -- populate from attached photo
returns 3:34
